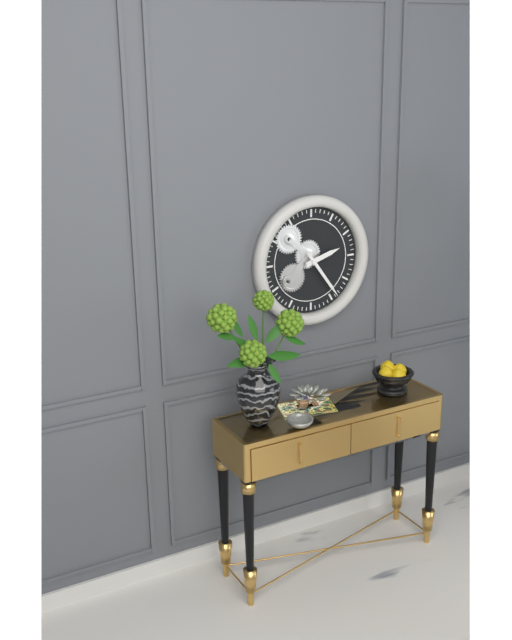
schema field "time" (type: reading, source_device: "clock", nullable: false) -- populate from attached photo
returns 2:24
